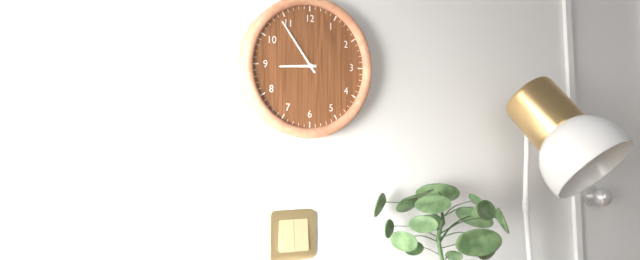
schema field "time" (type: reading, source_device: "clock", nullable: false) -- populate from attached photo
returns 8:54
